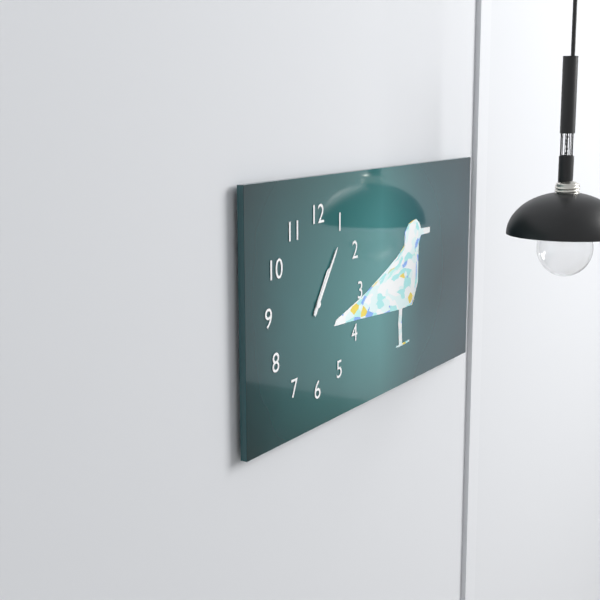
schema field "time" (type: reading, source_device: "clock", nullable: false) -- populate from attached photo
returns 1:06
